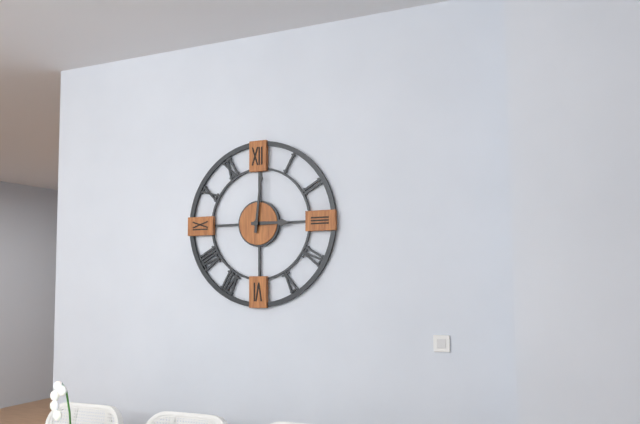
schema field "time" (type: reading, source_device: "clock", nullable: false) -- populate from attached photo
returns 3:01
